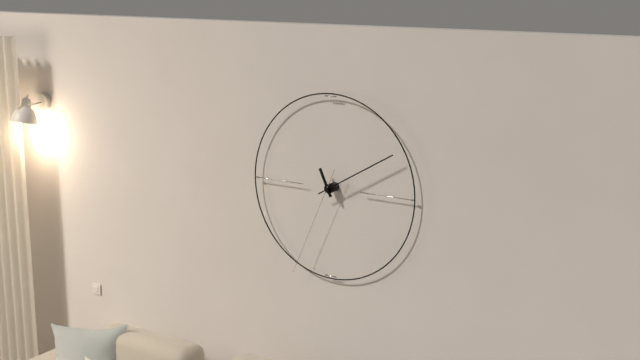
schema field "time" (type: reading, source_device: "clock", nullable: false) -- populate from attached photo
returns 11:10:34
